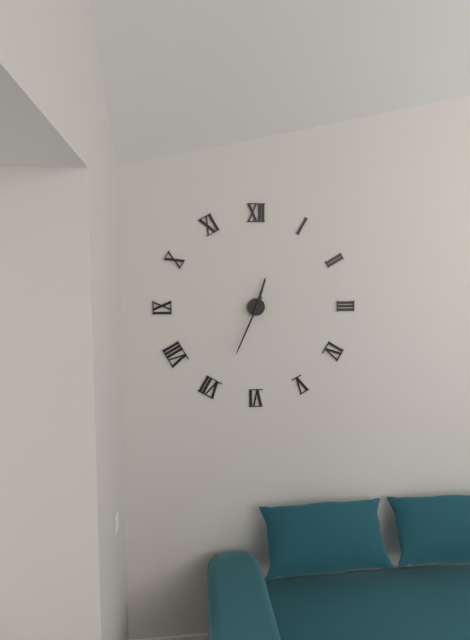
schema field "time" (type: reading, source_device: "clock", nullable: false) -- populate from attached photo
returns 12:34
